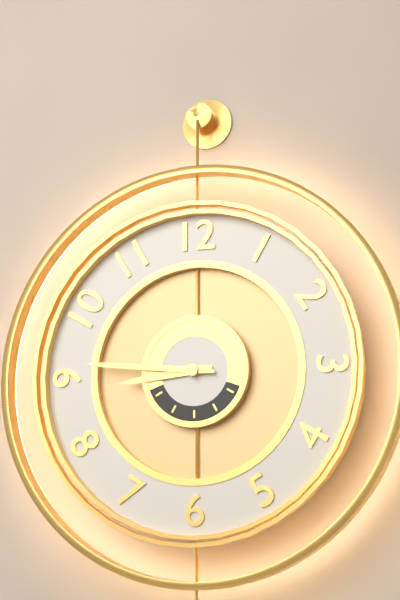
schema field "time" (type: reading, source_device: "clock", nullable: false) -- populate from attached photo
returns 8:46
